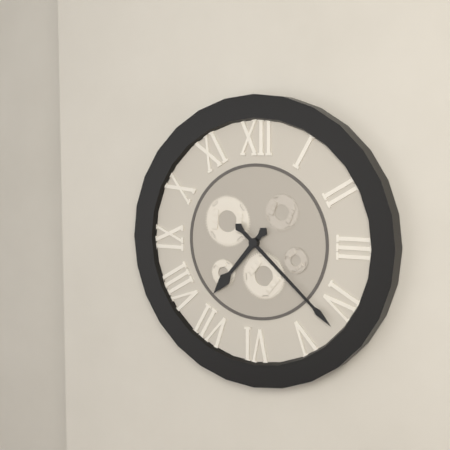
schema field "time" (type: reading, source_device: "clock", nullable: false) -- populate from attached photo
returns 7:22
